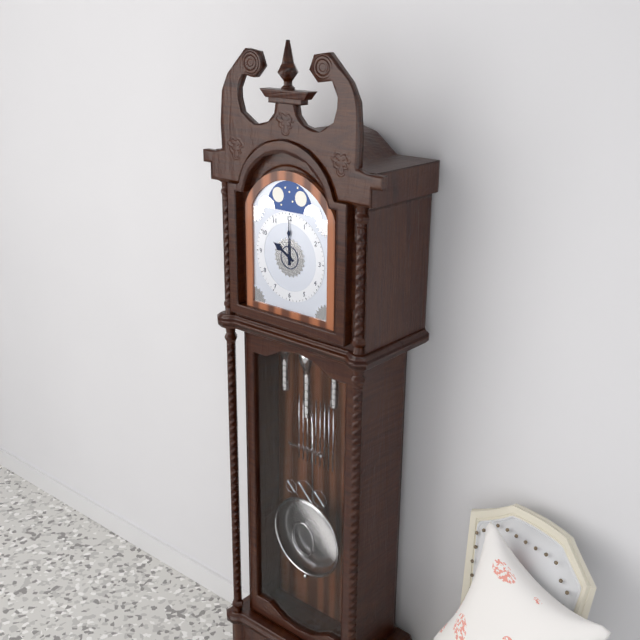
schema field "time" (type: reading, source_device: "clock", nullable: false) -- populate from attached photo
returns 10:00
